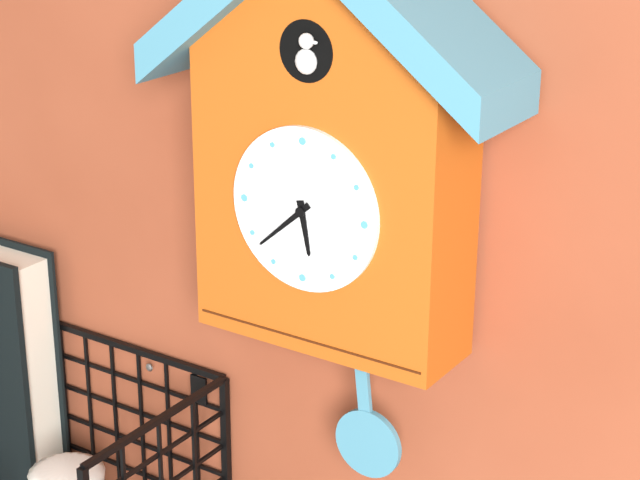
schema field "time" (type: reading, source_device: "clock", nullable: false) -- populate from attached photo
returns 5:38
